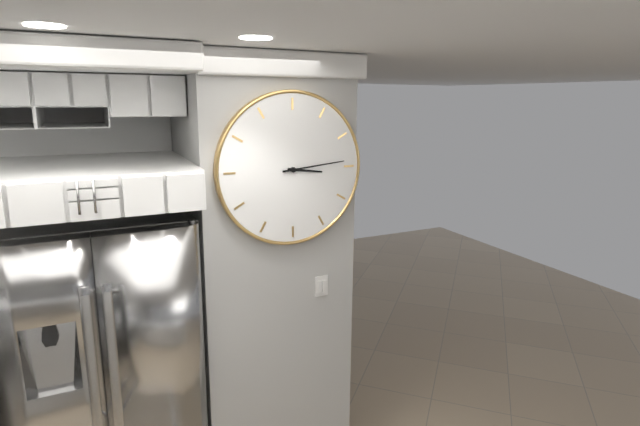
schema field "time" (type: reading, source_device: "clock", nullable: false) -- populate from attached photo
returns 3:14
